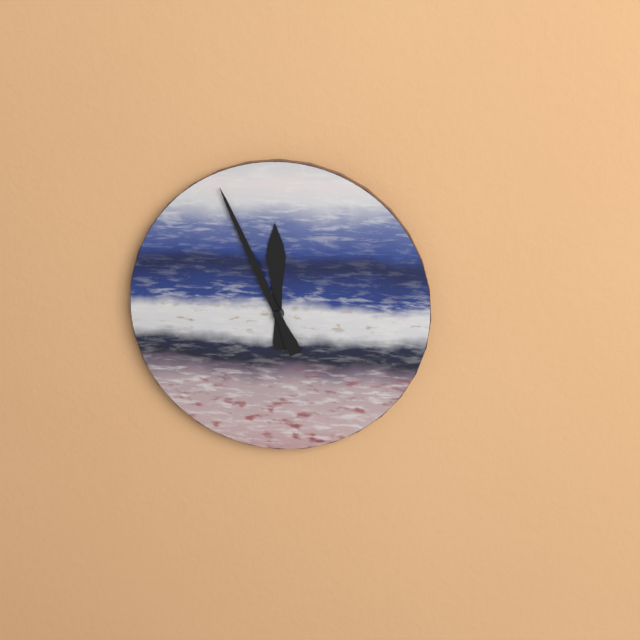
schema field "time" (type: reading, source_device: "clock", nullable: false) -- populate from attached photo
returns 11:56
